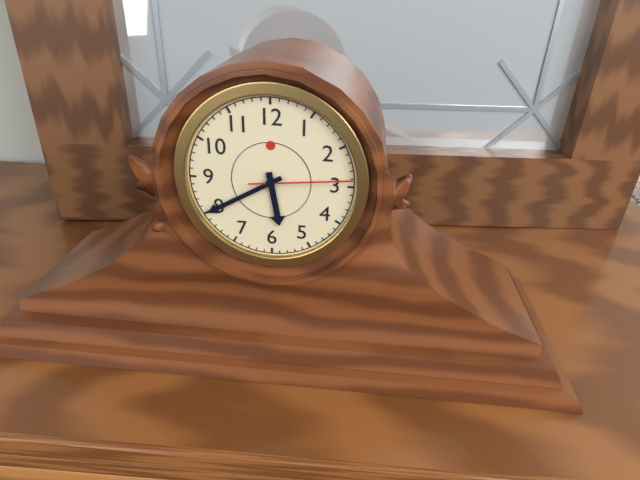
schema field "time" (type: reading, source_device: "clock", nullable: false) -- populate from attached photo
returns 5:40:14
